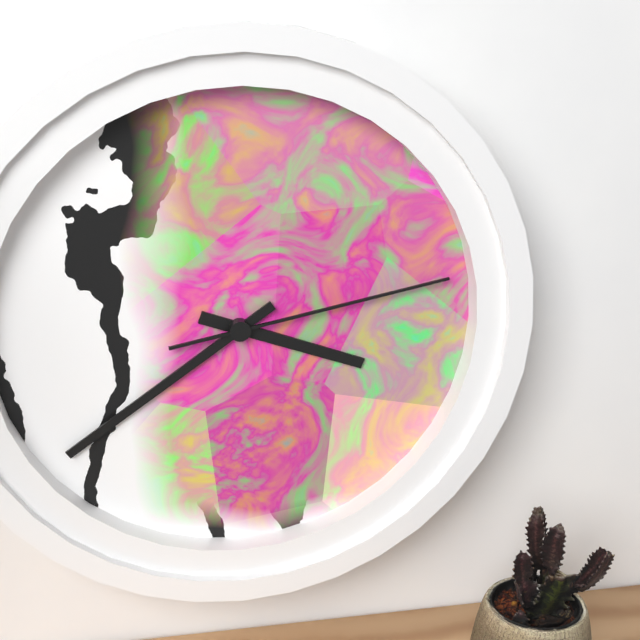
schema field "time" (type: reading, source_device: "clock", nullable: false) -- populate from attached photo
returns 3:39:13
